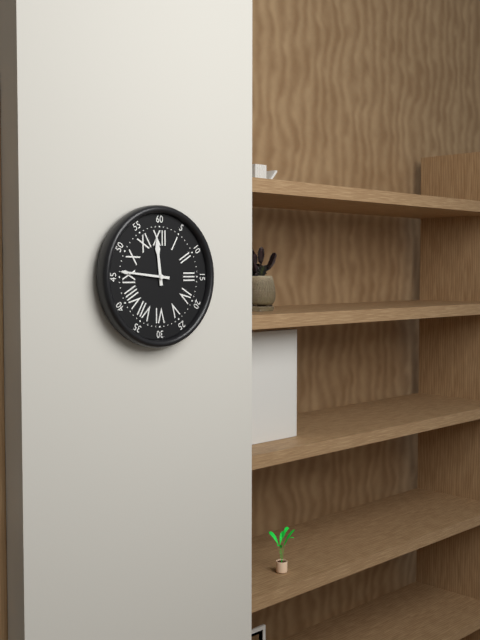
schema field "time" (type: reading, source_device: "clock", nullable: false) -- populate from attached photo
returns 11:46
